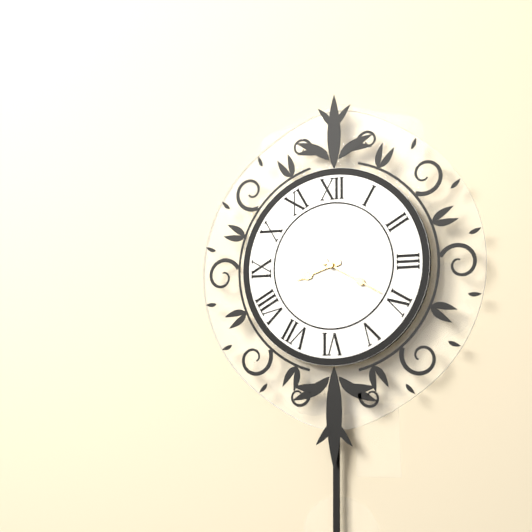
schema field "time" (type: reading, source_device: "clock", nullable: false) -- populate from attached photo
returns 8:20
